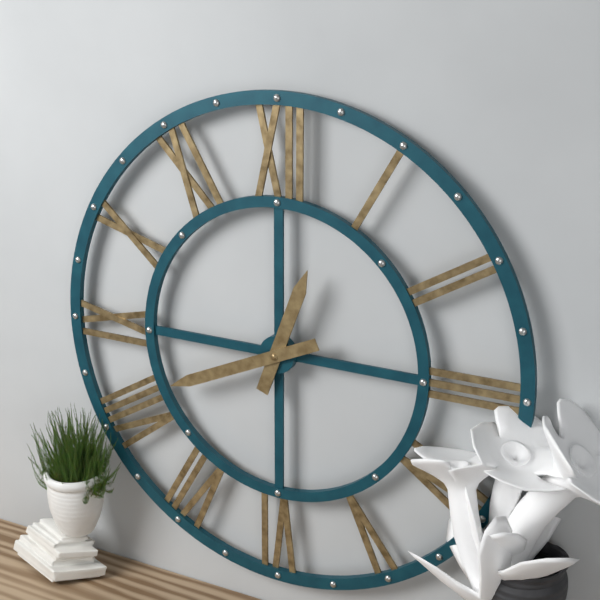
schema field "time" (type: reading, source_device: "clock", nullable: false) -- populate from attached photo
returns 12:41
